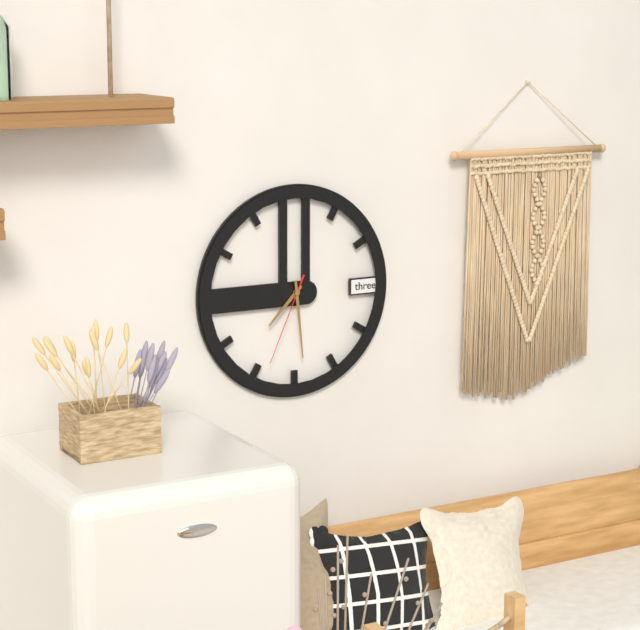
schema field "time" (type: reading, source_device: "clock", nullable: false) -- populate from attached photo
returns 7:29:34
